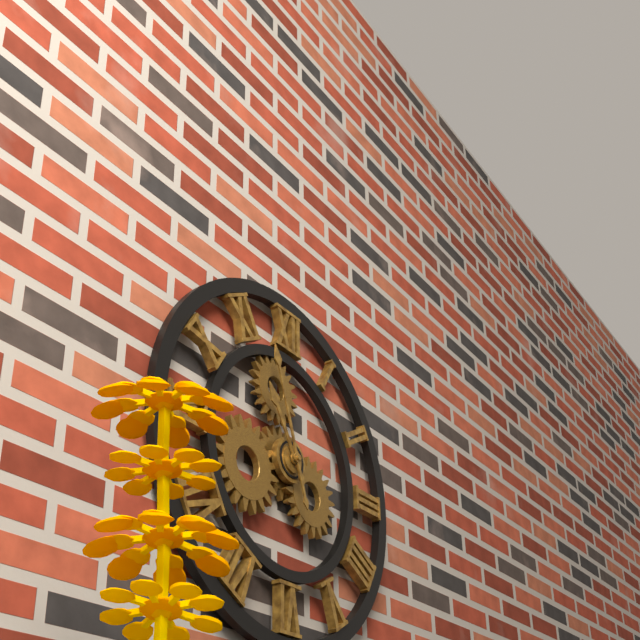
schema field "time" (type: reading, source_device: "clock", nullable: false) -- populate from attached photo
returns 10:57
